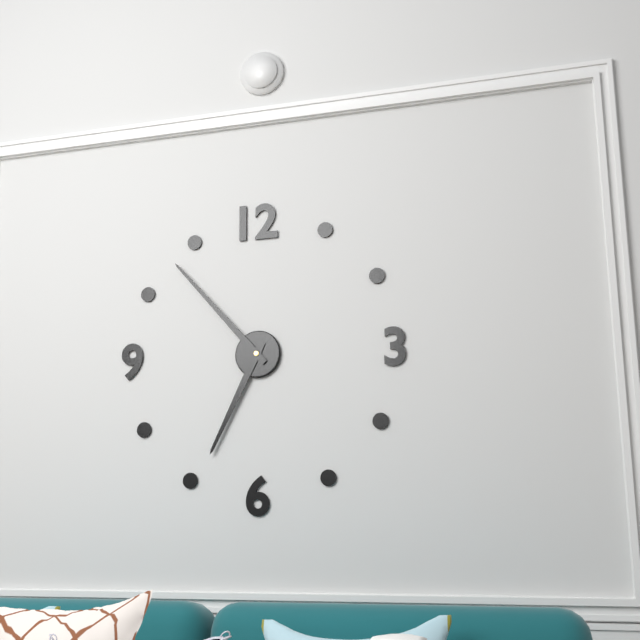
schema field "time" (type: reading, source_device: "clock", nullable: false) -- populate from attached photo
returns 6:53
